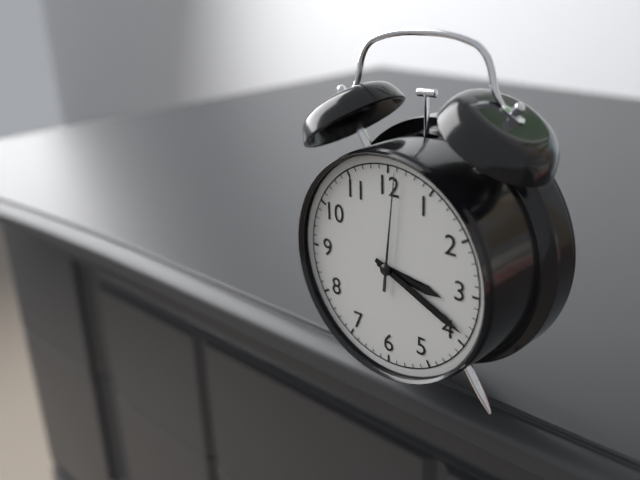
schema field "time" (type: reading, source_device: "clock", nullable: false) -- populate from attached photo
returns 3:19:01
